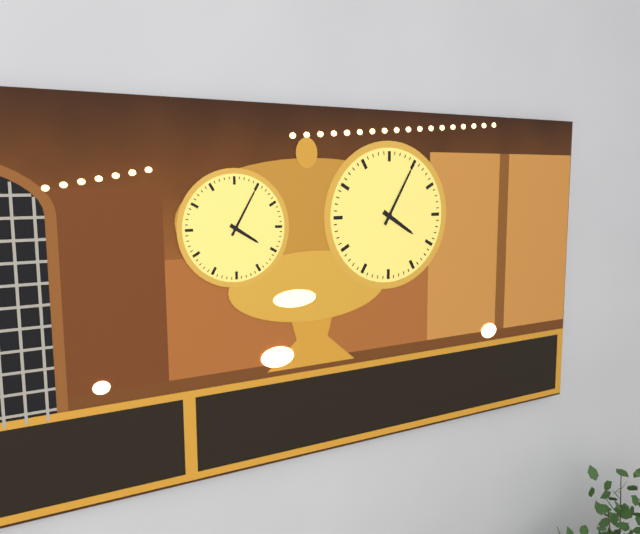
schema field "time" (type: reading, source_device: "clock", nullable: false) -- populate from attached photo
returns 4:05
